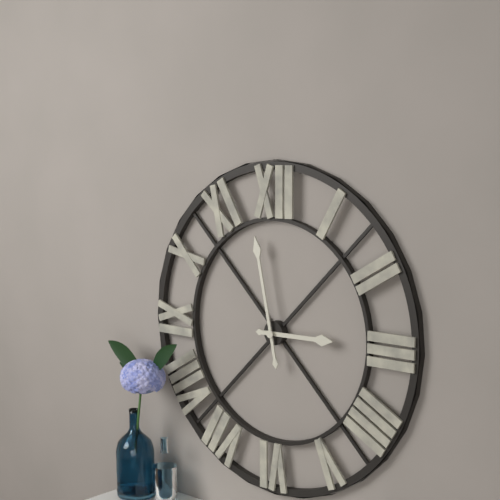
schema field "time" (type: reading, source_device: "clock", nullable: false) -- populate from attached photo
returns 2:58
